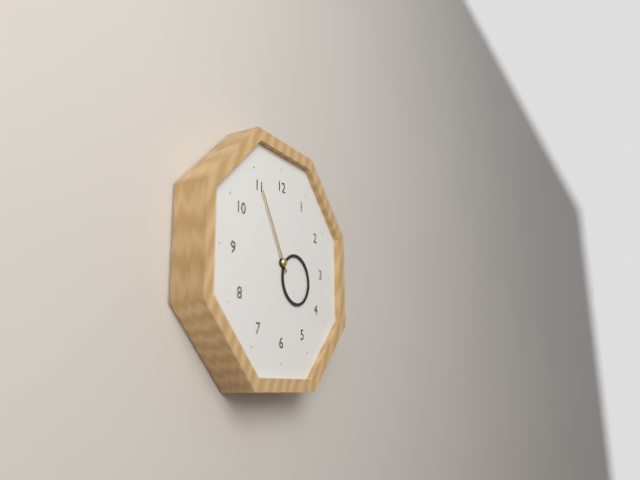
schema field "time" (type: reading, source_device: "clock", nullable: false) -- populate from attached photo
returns 3:55
